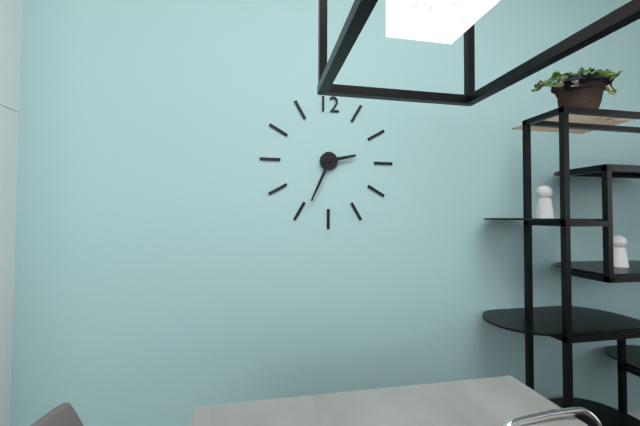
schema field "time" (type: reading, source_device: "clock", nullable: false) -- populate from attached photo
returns 2:34
